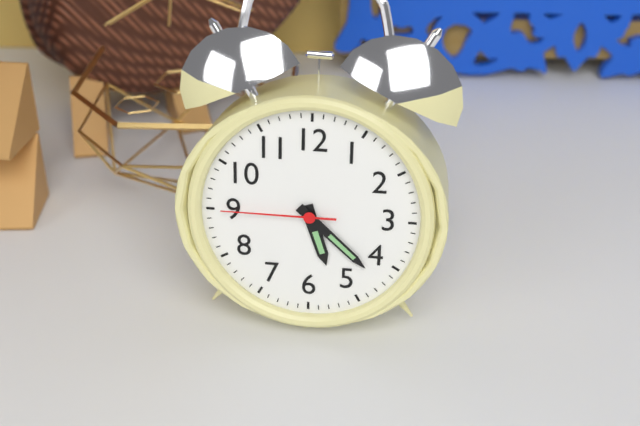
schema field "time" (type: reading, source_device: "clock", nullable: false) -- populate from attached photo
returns 5:22:45
